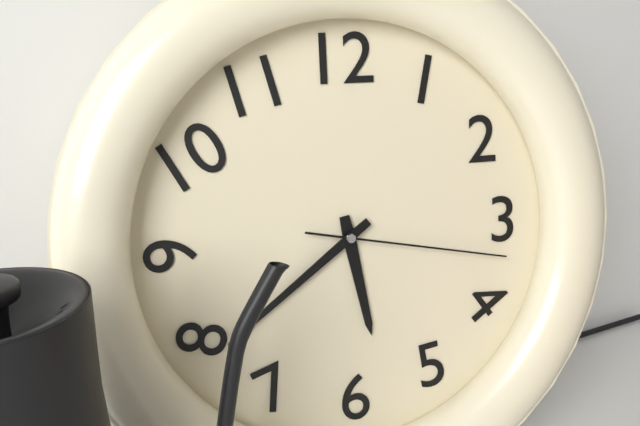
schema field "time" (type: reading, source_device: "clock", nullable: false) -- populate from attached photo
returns 5:39:17
